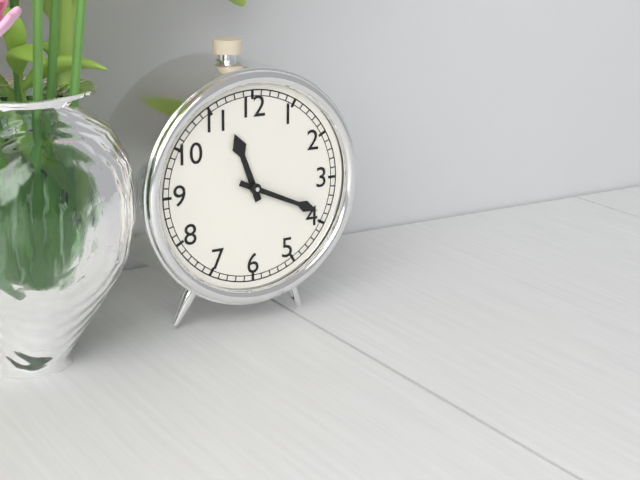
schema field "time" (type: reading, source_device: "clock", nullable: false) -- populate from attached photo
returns 11:19
